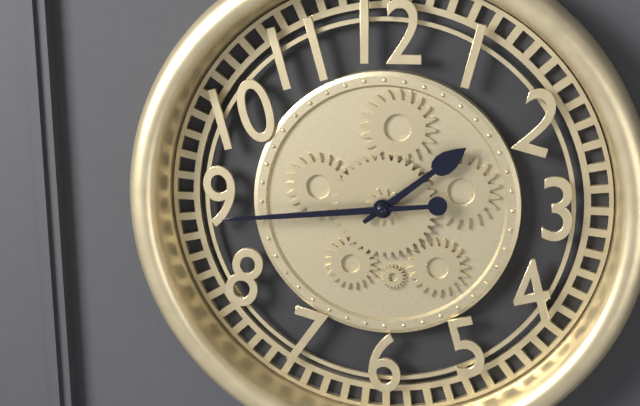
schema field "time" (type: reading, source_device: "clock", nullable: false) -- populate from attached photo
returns 1:44
